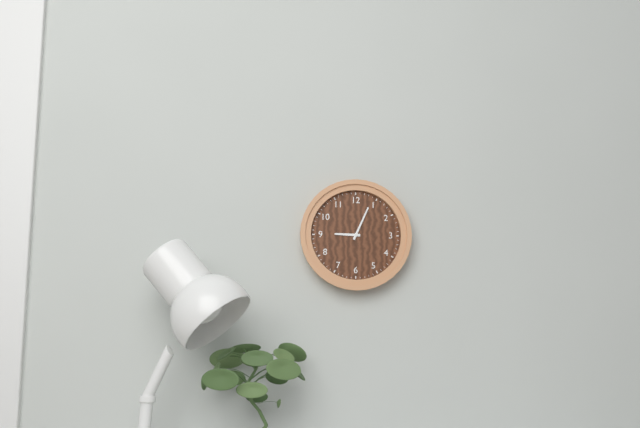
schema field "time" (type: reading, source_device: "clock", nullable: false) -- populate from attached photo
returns 9:04
